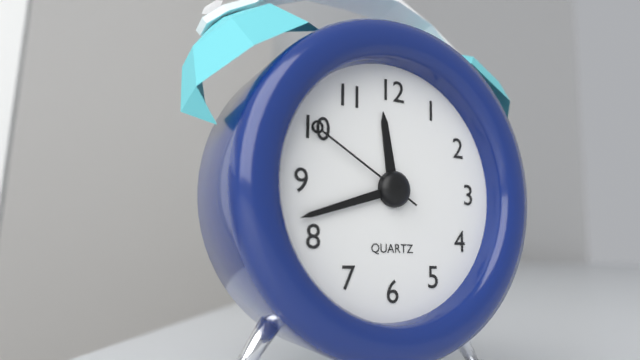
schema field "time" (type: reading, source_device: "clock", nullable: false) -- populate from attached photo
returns 11:42:50
